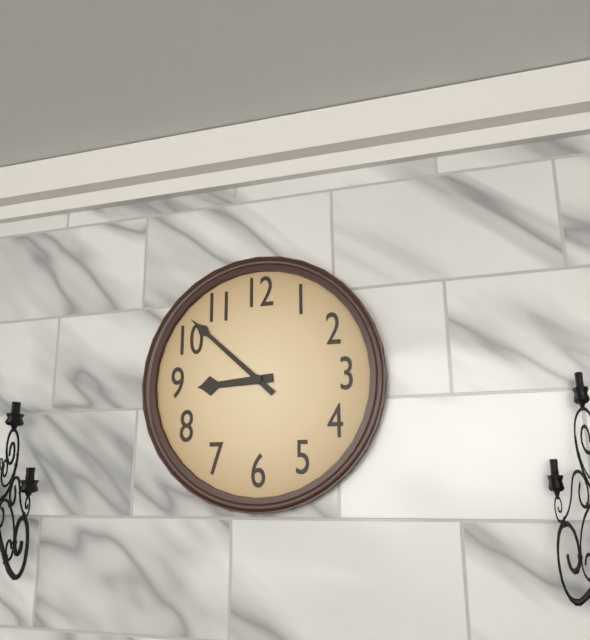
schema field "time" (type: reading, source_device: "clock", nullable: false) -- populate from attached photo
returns 8:52
